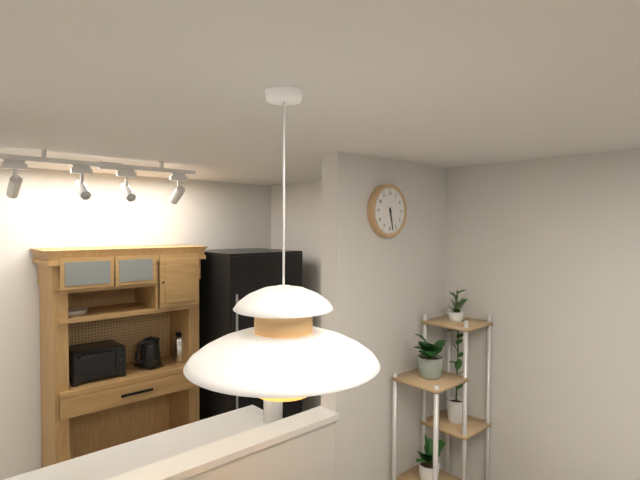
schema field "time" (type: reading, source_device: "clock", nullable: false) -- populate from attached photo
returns 5:28
